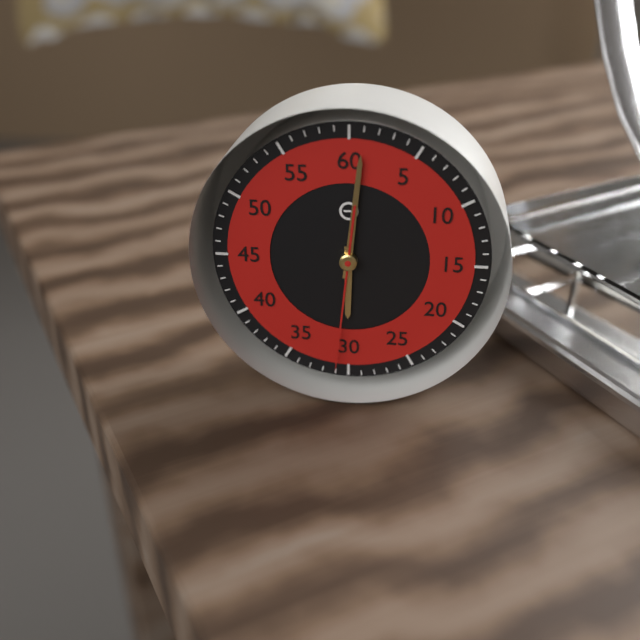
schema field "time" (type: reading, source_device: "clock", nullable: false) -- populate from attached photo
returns 6:01:31
